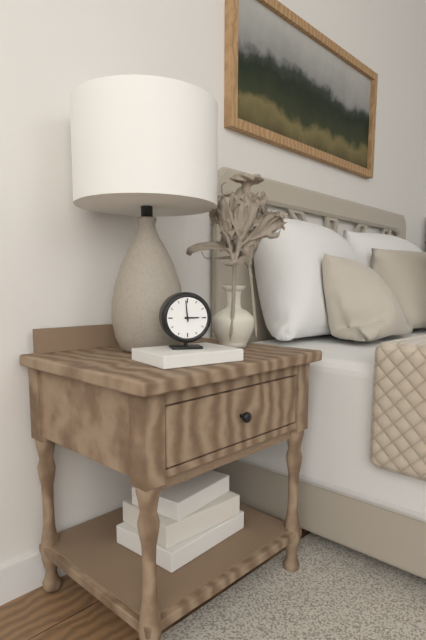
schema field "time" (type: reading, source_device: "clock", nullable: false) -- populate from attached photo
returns 2:59
